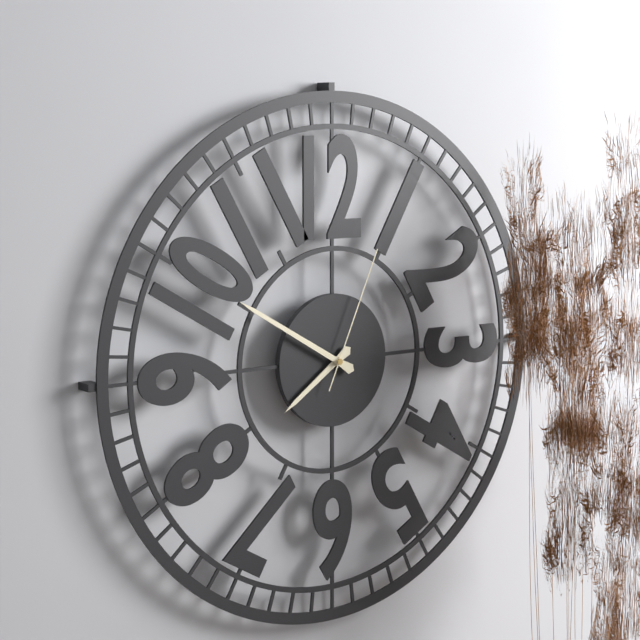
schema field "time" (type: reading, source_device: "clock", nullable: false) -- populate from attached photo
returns 7:50:04
